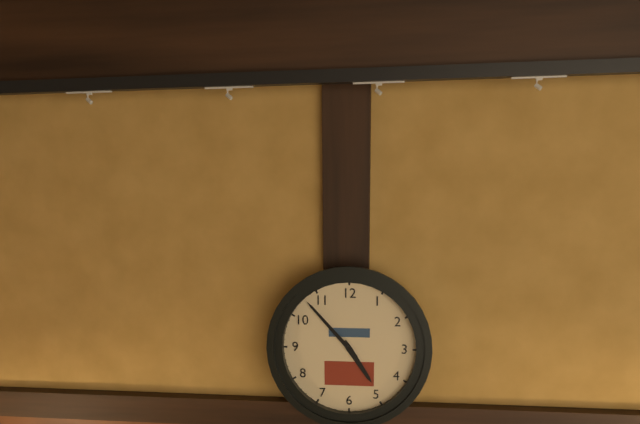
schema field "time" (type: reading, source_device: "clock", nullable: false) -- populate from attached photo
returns 4:53
